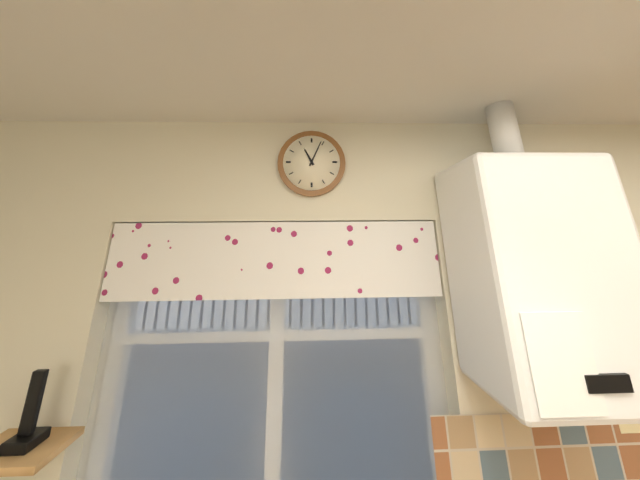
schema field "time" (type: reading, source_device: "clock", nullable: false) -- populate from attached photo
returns 11:04
